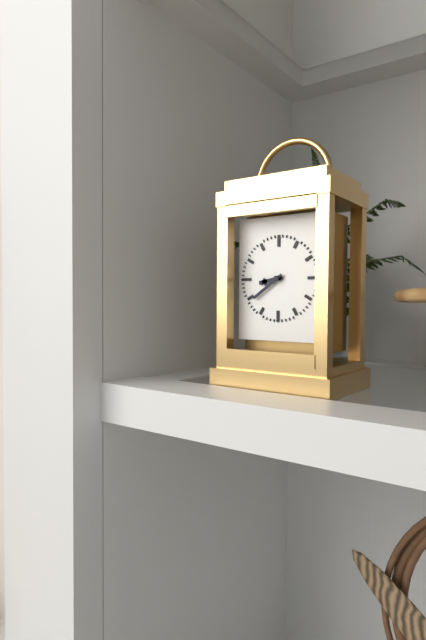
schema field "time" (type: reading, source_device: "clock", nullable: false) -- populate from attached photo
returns 8:39
